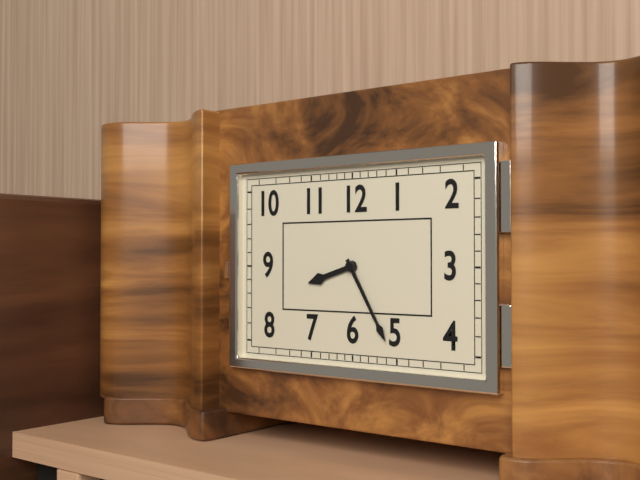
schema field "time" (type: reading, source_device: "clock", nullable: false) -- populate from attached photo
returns 8:25
